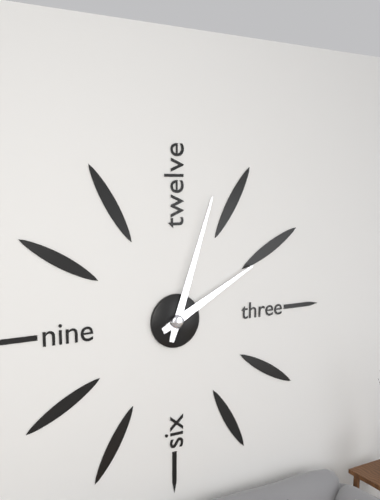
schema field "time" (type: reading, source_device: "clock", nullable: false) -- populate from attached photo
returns 2:03
